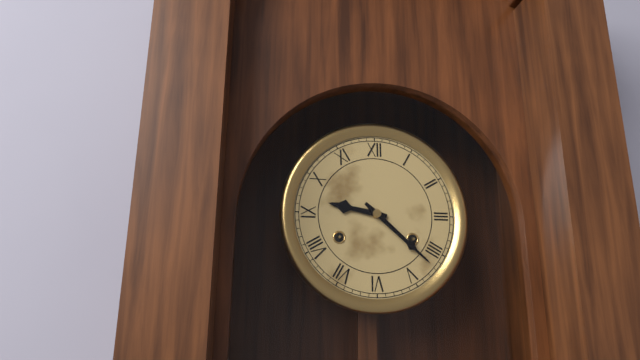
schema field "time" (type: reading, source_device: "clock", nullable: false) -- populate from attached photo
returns 9:22
